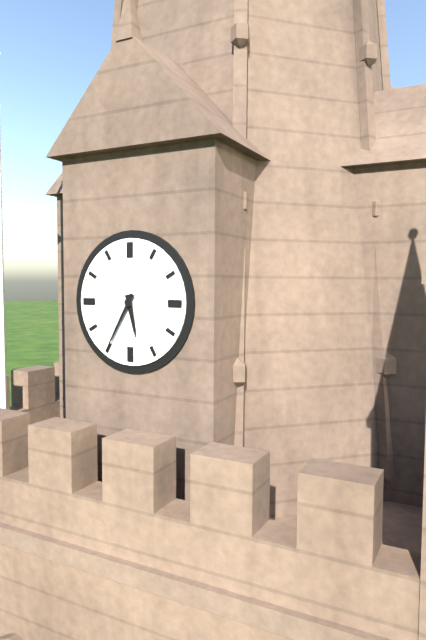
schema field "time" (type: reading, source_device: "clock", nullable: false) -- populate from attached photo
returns 5:35
